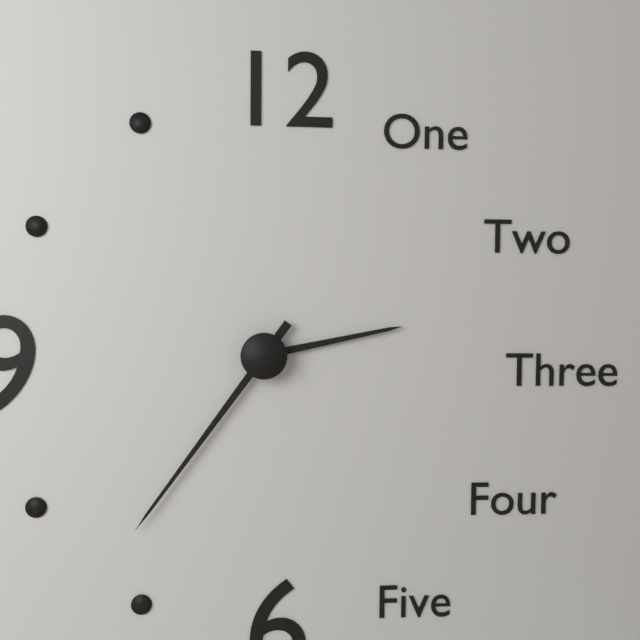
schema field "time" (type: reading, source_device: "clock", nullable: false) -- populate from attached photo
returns 2:36
